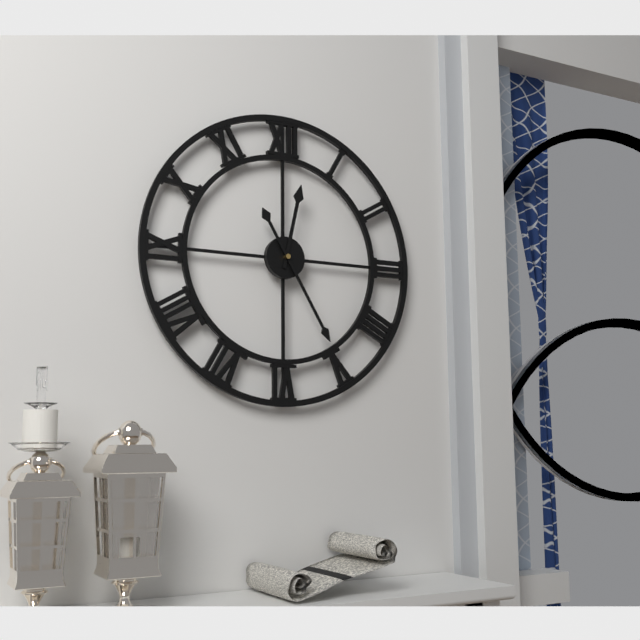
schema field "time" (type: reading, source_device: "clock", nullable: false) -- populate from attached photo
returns 12:25
